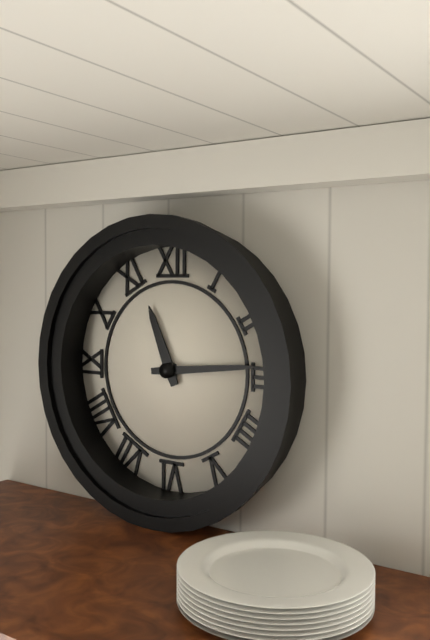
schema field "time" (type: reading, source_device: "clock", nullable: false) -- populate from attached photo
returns 11:14
